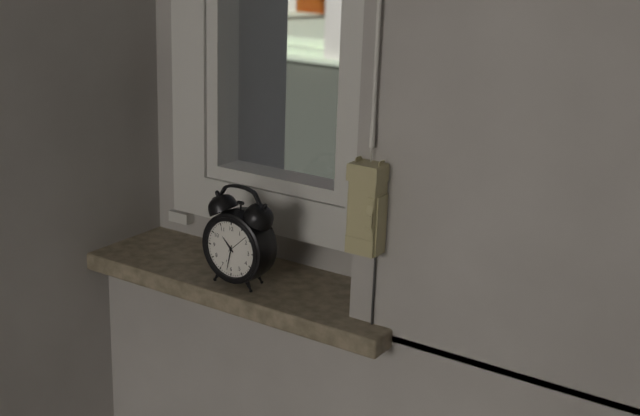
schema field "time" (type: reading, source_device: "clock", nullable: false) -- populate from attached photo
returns 10:32
